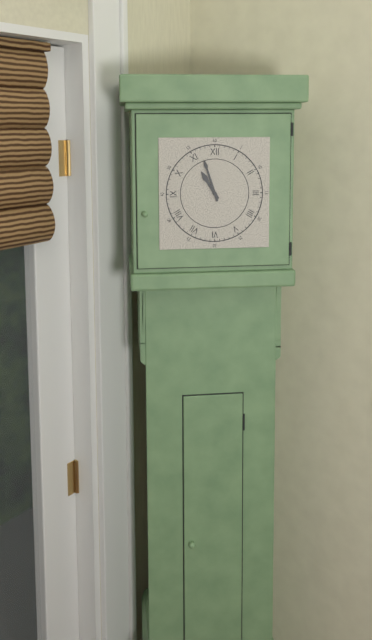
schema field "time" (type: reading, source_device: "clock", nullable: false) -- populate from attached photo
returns 10:57
